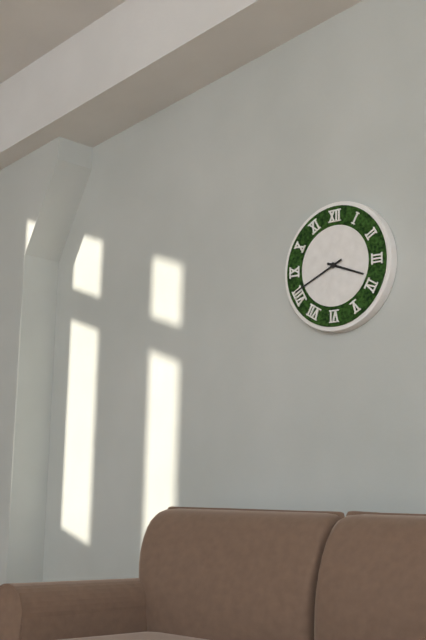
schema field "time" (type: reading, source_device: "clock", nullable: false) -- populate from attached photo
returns 3:41
